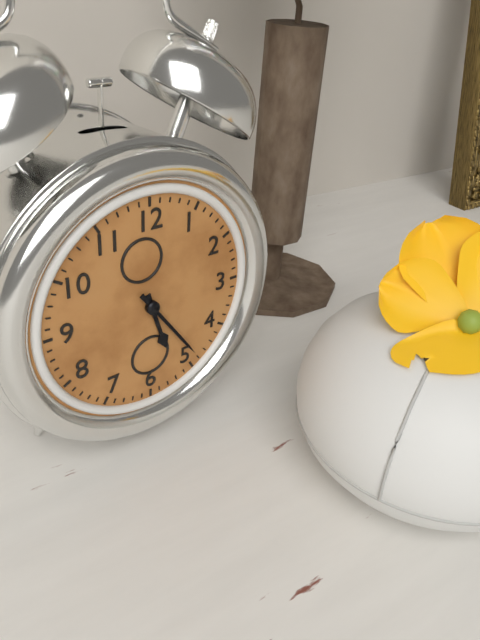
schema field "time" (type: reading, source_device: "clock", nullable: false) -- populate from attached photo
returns 5:24
